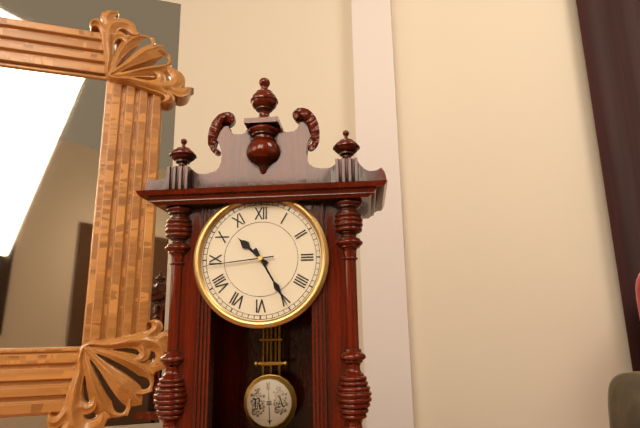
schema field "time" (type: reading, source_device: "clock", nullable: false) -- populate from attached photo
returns 10:25:44
